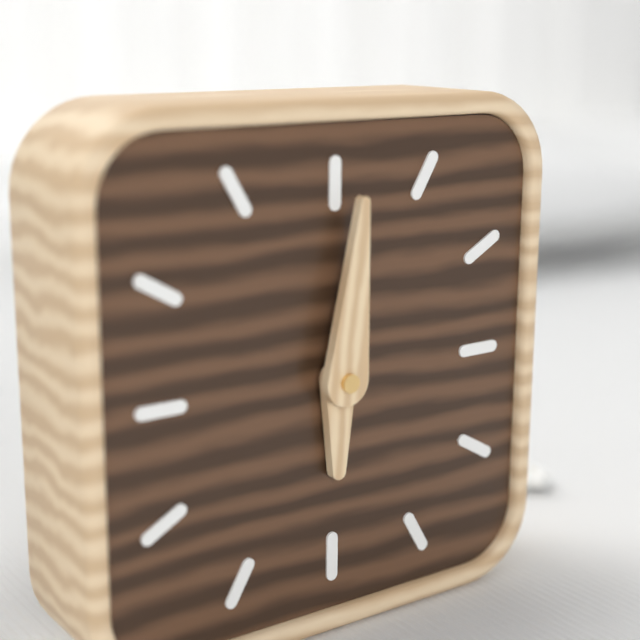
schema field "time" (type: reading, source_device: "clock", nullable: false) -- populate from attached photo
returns 6:01
